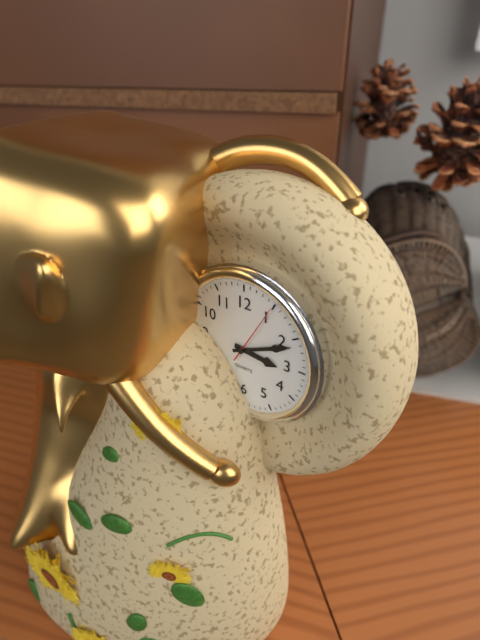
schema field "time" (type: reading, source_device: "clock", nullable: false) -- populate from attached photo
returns 3:11:05
